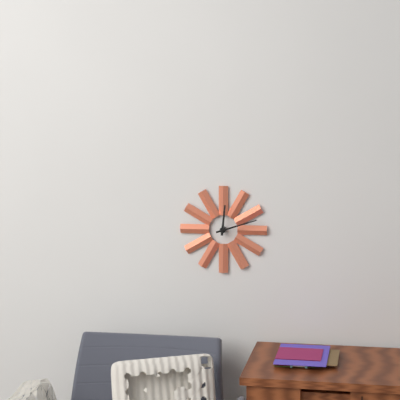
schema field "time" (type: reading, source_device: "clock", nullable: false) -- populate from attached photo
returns 12:12
